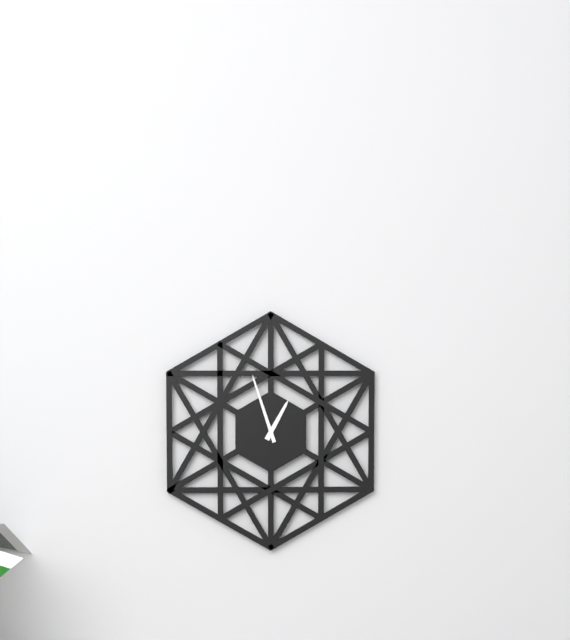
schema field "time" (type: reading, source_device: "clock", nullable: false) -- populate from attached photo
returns 12:57
